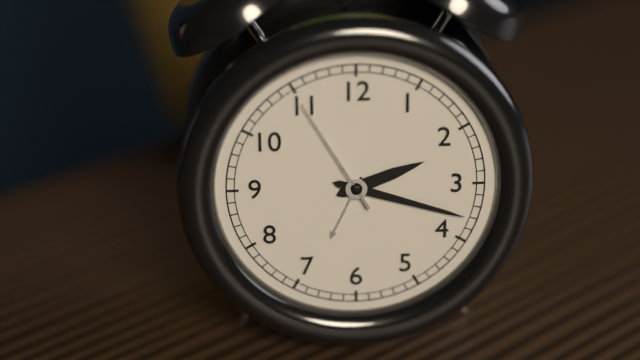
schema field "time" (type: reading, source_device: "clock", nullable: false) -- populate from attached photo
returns 2:18:55
